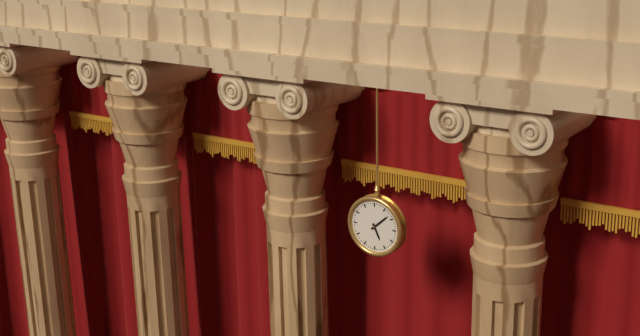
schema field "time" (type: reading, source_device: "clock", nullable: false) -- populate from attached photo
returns 5:08
